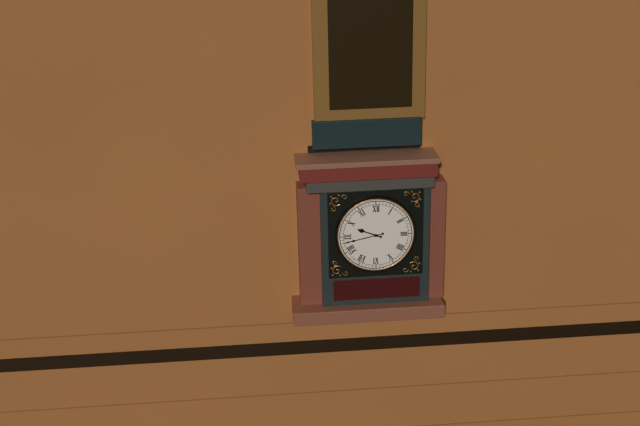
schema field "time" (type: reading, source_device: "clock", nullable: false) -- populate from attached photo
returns 9:43
